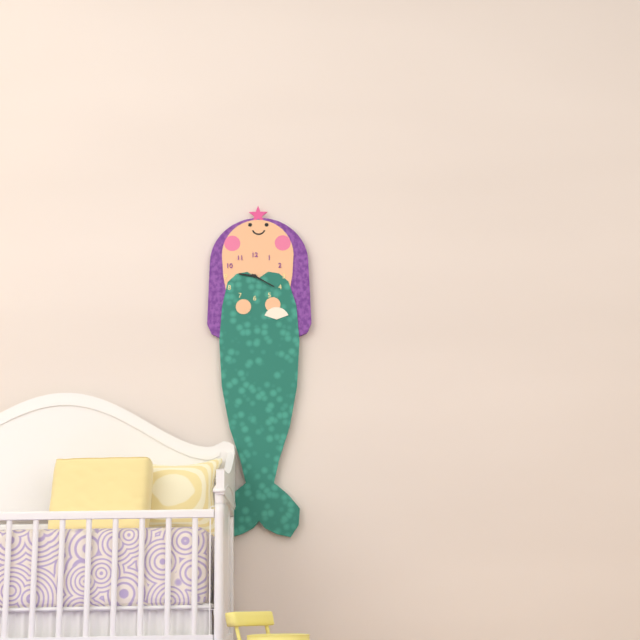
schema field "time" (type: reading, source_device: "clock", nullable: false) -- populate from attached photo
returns 9:20
